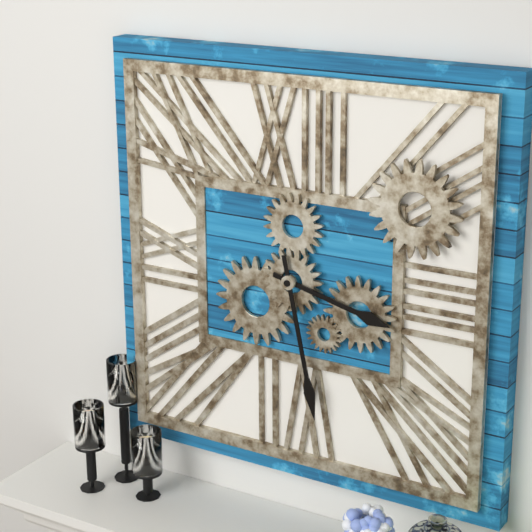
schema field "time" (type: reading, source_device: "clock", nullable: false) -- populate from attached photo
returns 3:28
